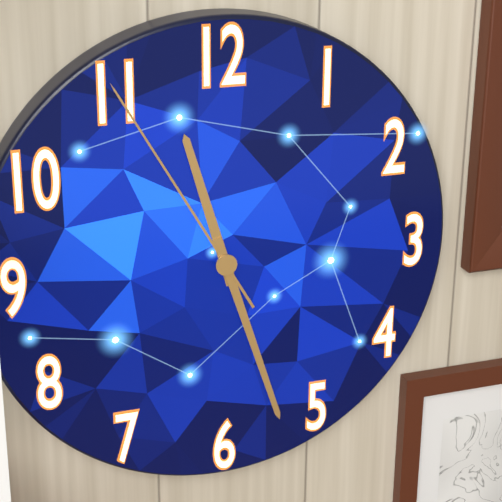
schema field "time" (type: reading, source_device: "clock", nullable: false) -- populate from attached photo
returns 11:27:55
